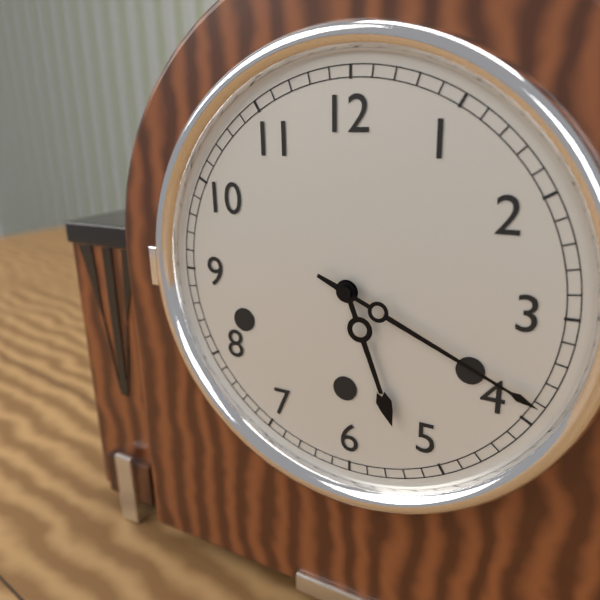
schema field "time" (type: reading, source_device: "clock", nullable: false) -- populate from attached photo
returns 5:19
